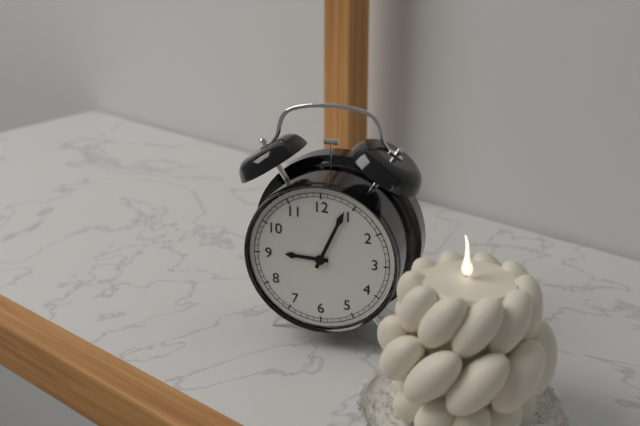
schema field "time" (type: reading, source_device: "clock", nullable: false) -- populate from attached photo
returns 9:04
